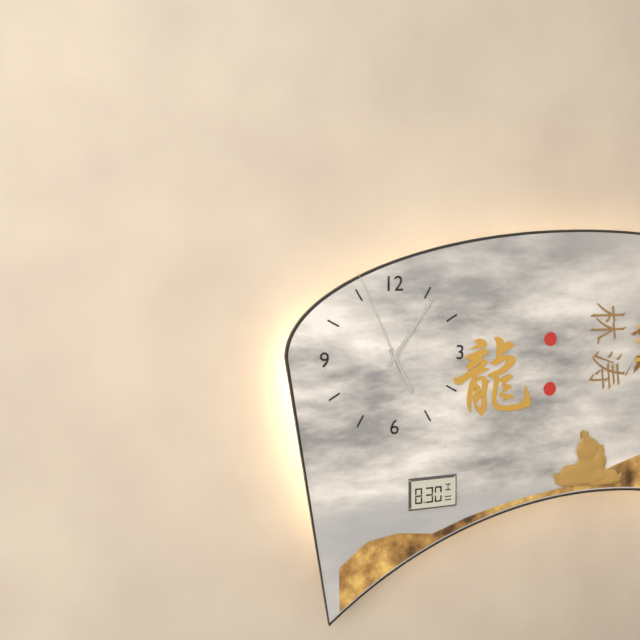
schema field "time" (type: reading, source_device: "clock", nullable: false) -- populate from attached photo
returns 5:06:56
